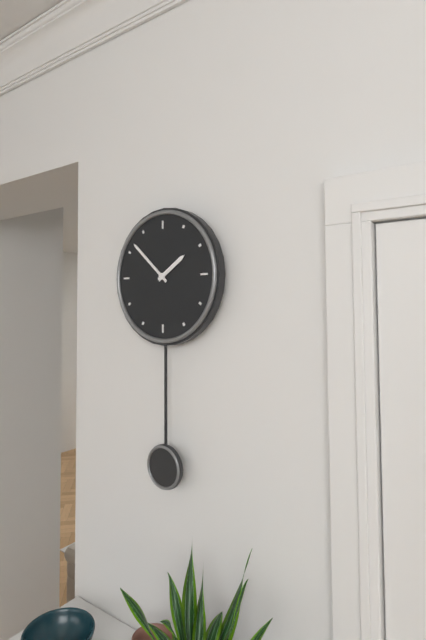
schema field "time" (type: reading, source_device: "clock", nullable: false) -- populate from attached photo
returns 1:52
